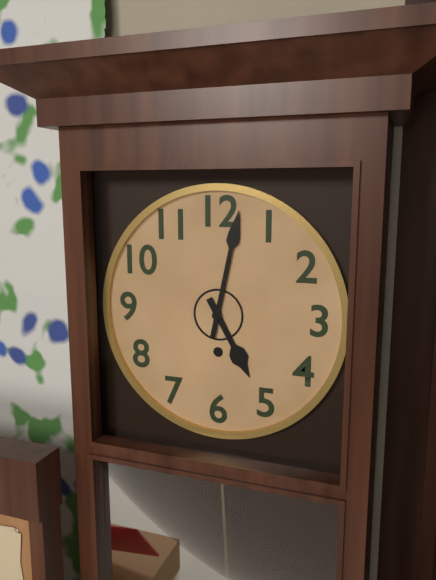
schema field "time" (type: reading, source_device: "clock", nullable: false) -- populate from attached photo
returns 5:02
